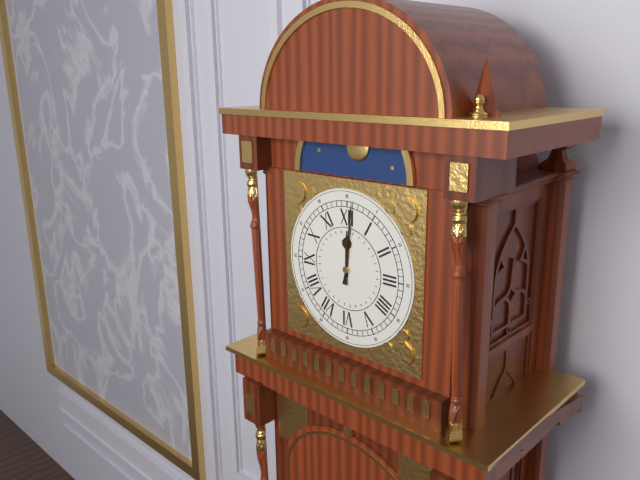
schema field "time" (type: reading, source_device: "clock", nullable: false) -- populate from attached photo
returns 12:01
